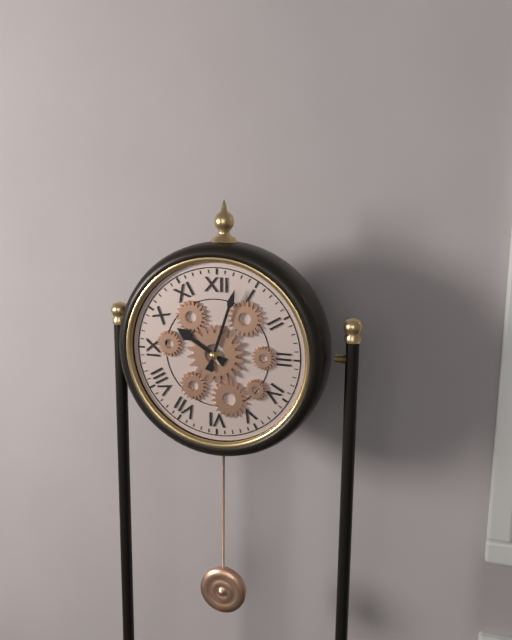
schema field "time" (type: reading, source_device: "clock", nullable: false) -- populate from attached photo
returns 10:03
